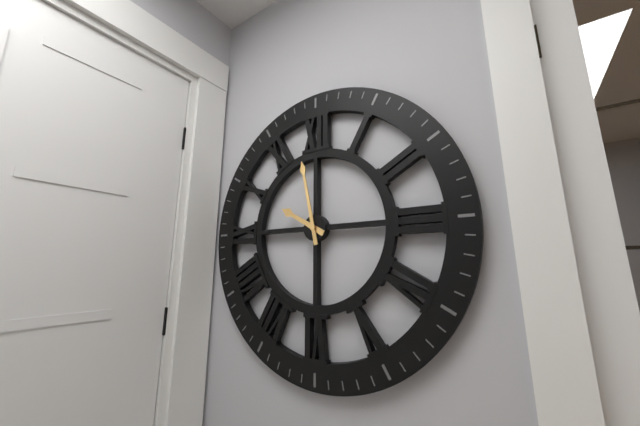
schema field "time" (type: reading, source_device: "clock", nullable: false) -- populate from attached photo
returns 9:58
